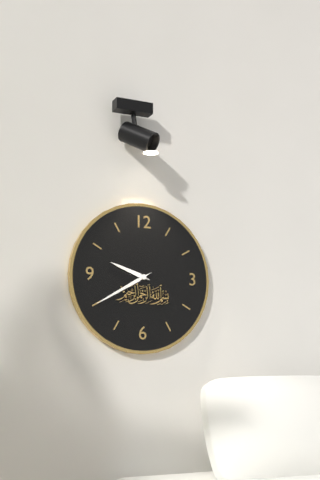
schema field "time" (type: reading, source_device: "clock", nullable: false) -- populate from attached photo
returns 9:40
